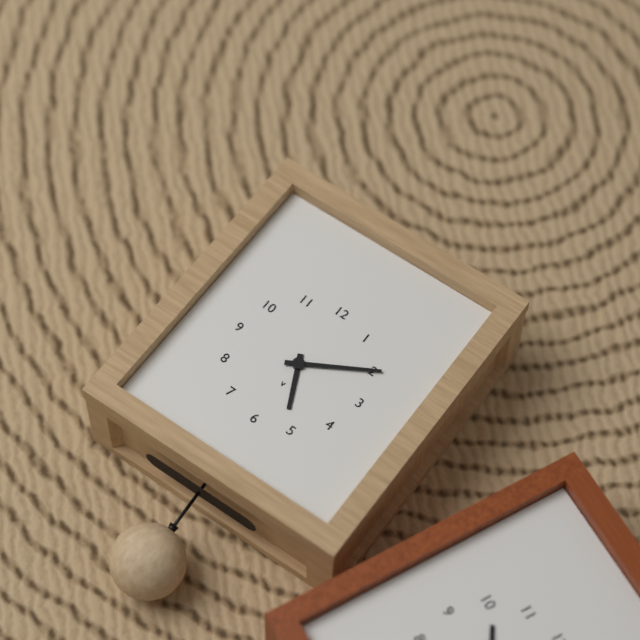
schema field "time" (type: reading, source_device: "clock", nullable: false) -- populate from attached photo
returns 5:10
